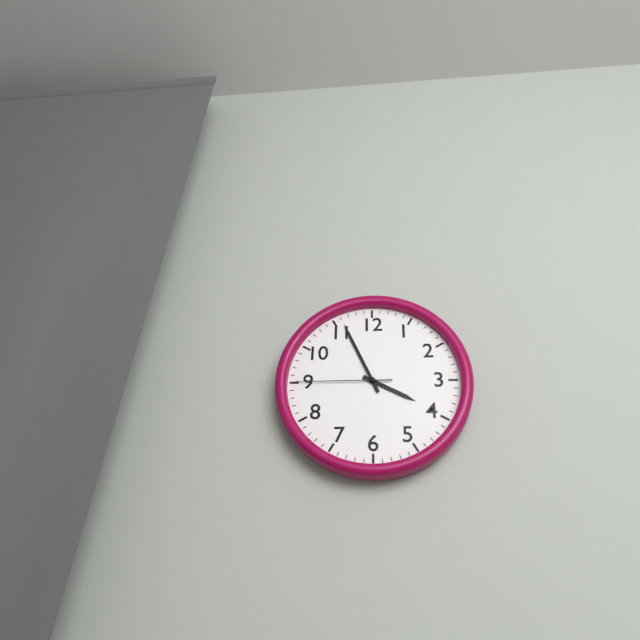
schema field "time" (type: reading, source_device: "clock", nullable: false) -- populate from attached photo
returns 3:56:45
